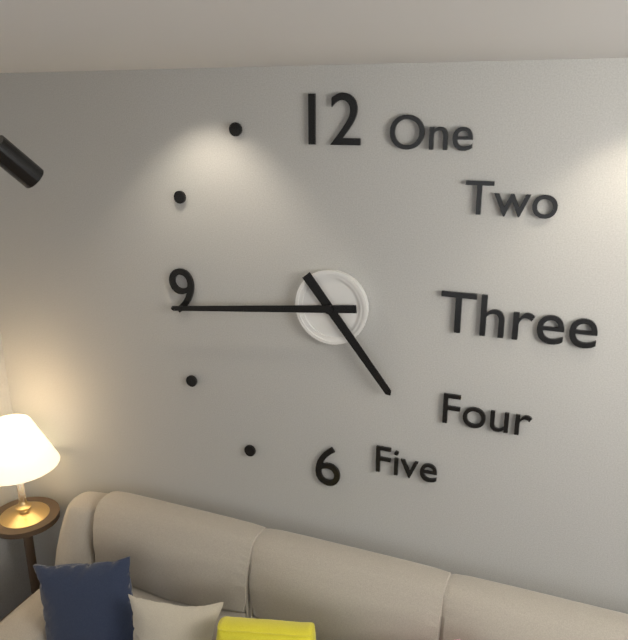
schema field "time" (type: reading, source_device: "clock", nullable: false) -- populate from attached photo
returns 4:44
